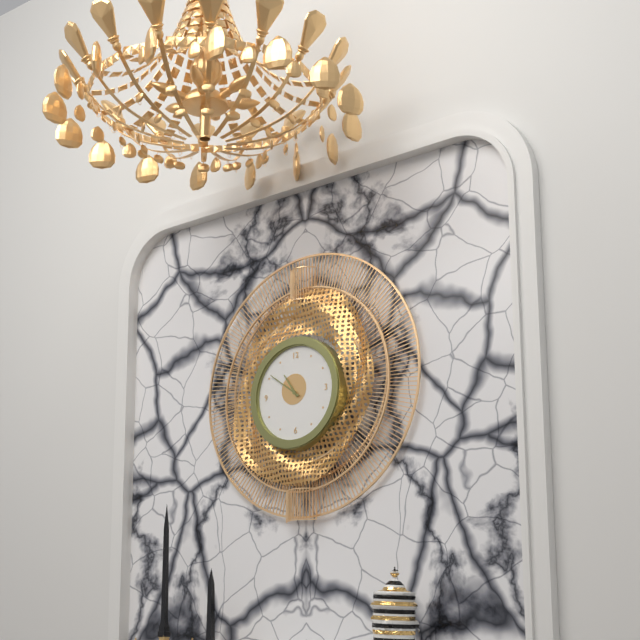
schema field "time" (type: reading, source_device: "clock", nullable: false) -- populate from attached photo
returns 10:51
